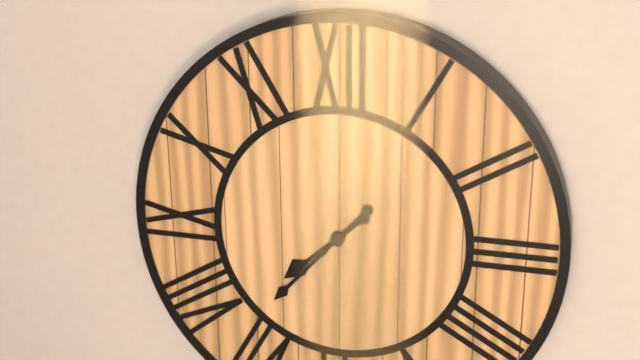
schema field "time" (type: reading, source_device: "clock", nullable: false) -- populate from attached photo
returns 7:37
